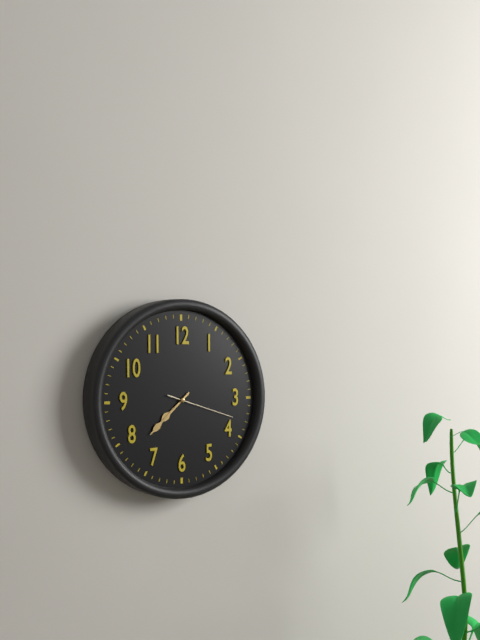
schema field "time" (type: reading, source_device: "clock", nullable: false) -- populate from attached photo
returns 7:38:18
